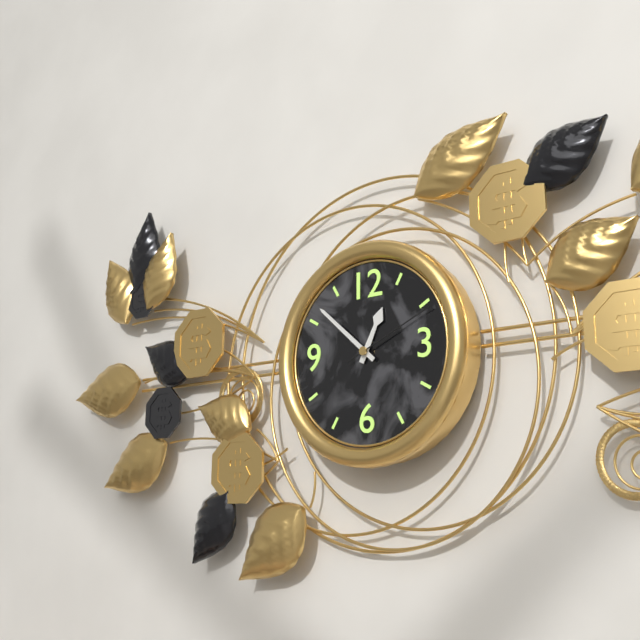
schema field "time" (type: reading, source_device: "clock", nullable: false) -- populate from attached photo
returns 12:52:11
